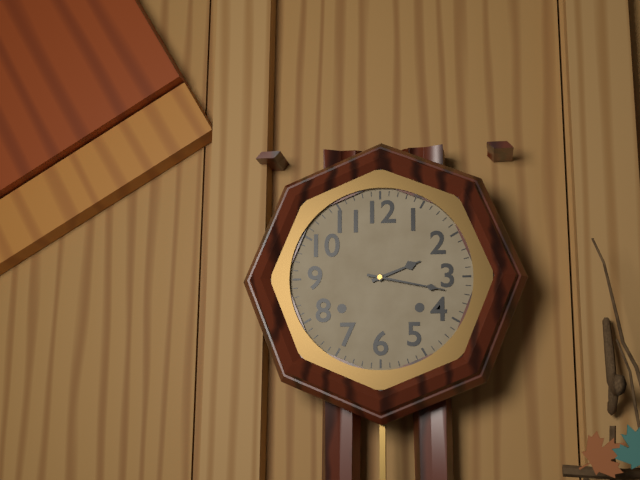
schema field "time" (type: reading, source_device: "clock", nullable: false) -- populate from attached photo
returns 2:17
